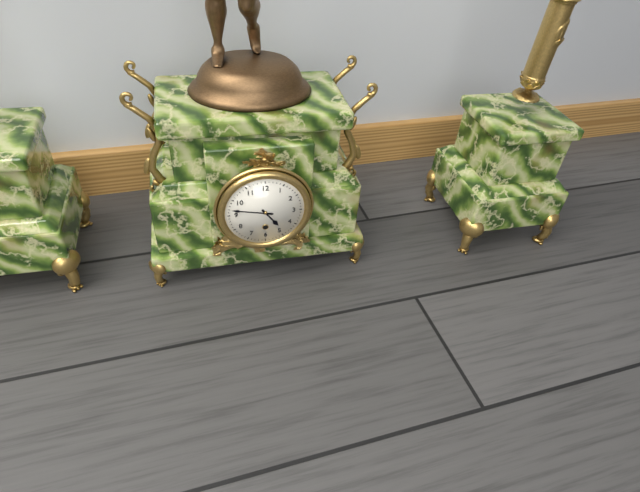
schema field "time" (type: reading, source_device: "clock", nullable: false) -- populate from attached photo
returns 4:47
